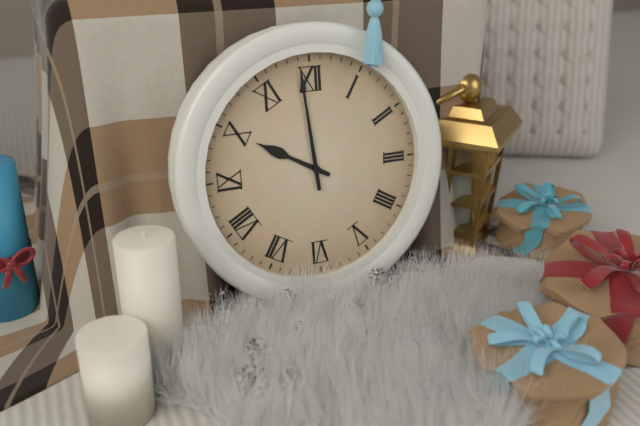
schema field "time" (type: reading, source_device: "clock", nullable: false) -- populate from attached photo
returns 9:59
